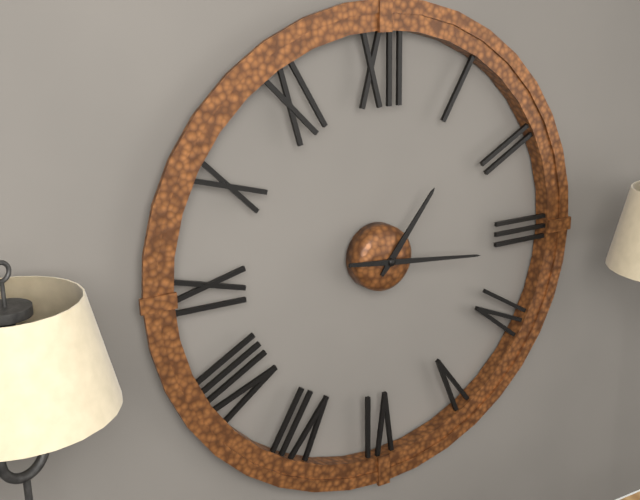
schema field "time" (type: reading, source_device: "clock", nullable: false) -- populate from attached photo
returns 1:16
